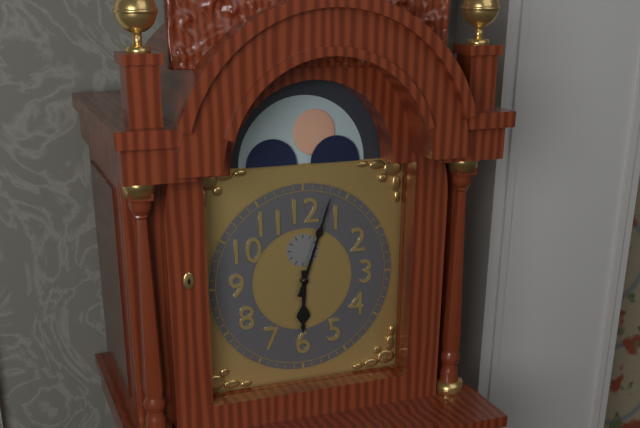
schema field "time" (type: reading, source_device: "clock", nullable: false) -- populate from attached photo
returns 6:03
